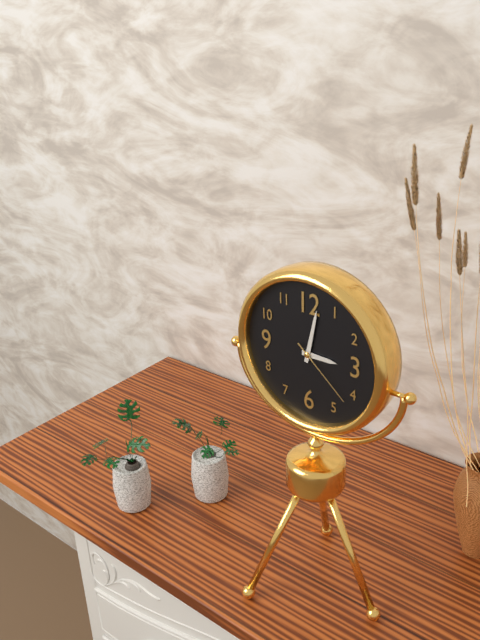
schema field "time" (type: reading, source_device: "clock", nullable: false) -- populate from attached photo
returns 3:02:22
